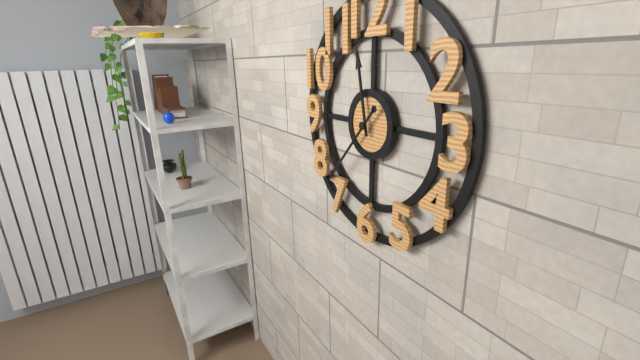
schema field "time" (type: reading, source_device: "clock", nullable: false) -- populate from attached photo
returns 11:37
